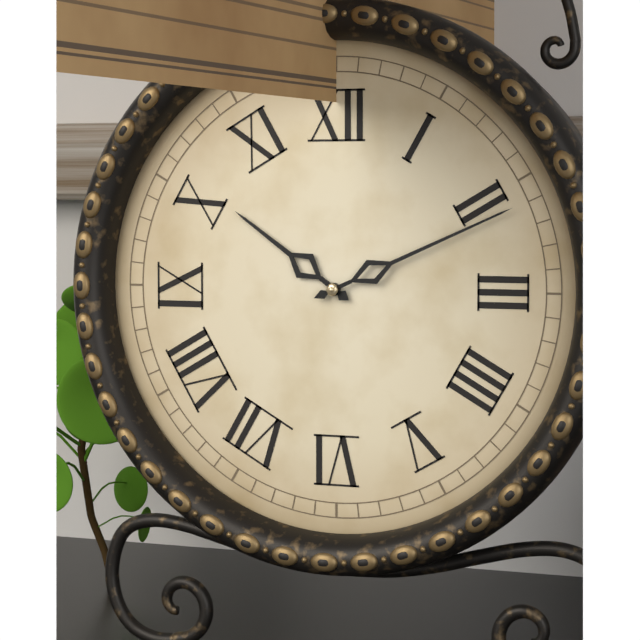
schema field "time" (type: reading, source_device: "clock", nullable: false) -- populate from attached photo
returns 10:11
